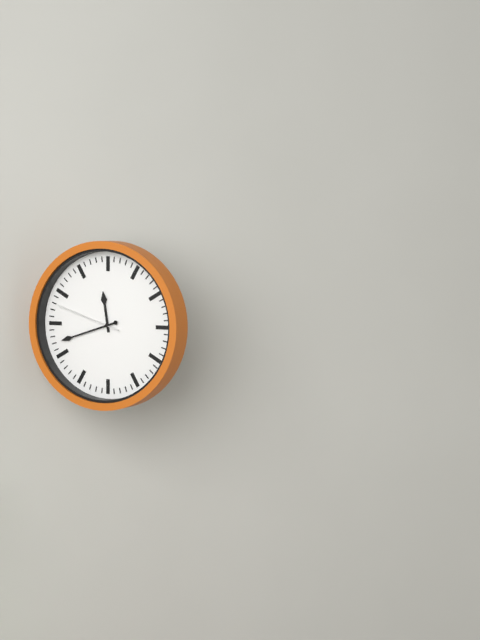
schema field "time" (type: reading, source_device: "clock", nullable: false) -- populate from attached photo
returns 11:42:48
